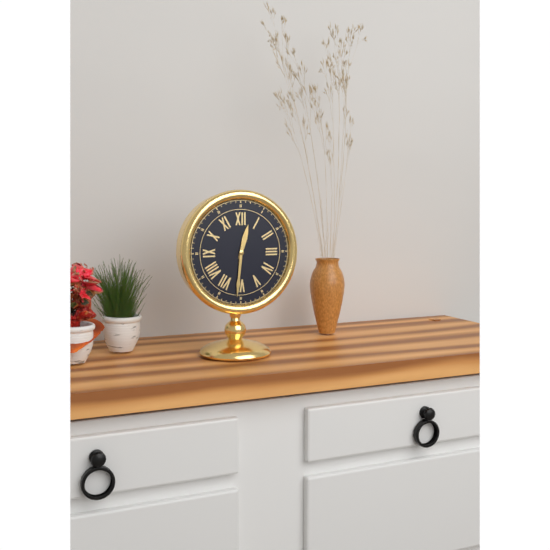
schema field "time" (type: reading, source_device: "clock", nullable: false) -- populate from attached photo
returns 12:31
